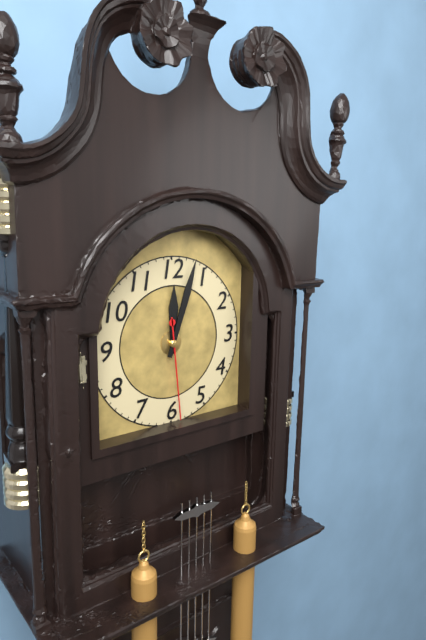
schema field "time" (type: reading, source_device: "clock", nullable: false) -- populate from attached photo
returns 12:03:29
